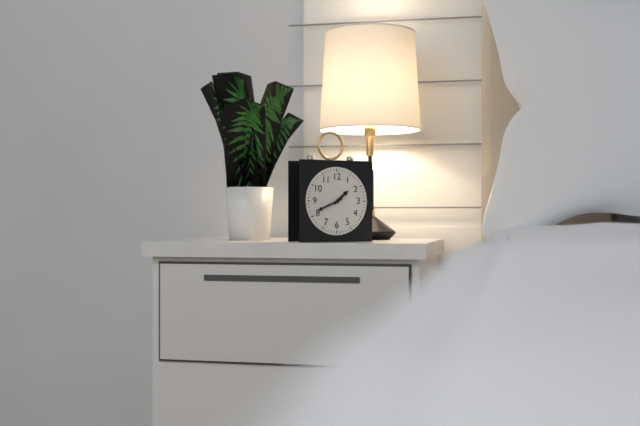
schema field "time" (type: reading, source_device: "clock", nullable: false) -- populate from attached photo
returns 1:41
